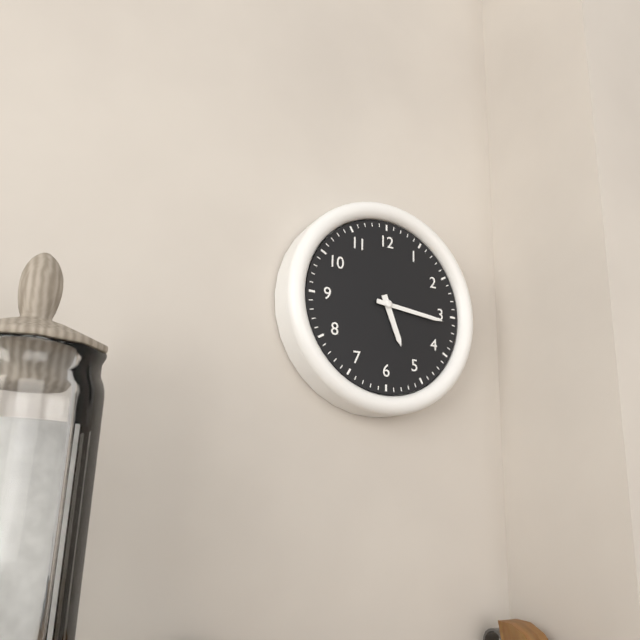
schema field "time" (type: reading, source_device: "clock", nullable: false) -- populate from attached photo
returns 5:16
